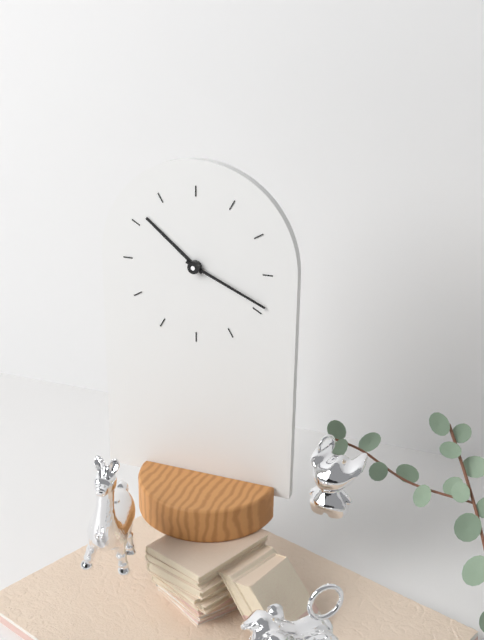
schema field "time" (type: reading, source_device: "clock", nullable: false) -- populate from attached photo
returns 10:19
